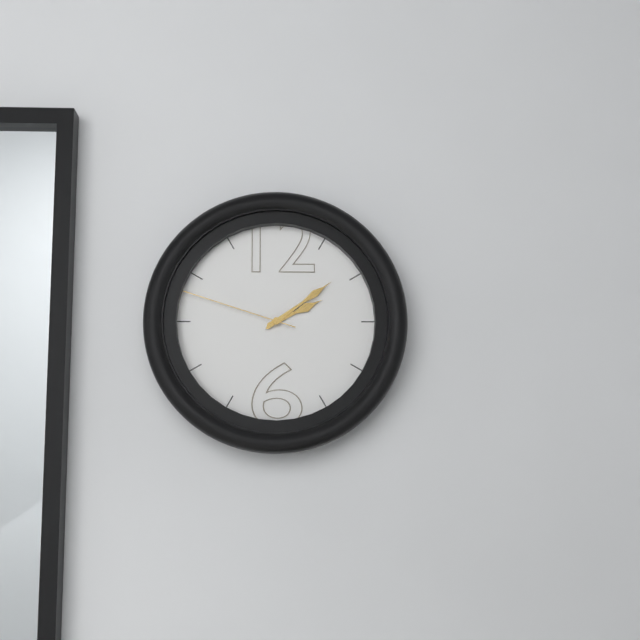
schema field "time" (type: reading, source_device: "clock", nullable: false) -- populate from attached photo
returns 2:09:48
